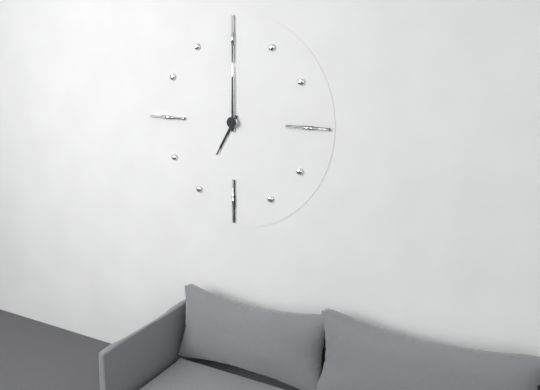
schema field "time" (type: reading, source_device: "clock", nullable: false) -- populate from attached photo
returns 7:00
